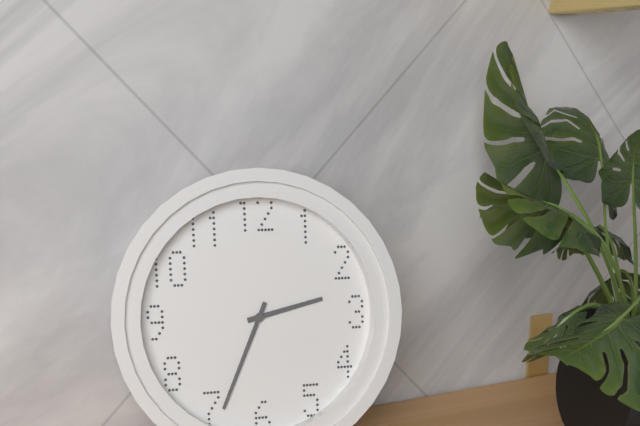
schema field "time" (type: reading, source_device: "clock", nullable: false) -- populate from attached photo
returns 2:34
